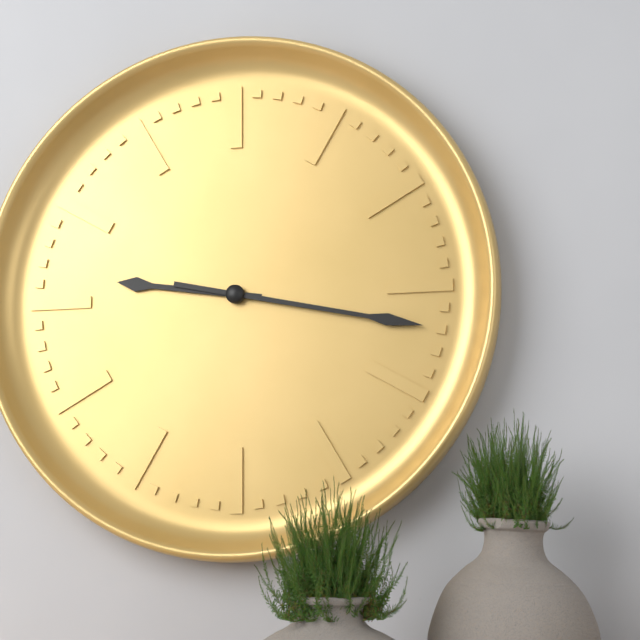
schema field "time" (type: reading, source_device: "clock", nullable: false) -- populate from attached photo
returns 9:17
